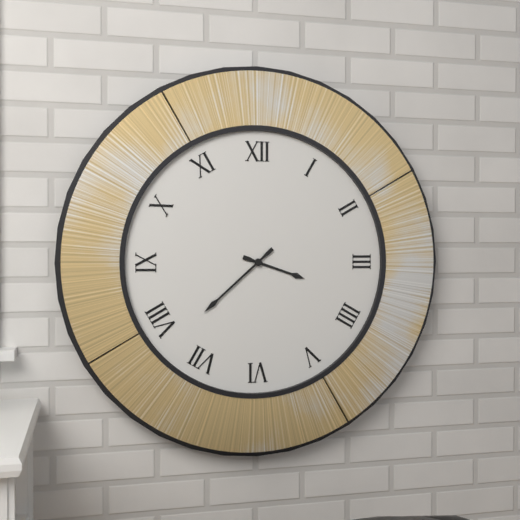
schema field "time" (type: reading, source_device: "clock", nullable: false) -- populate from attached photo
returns 3:38
